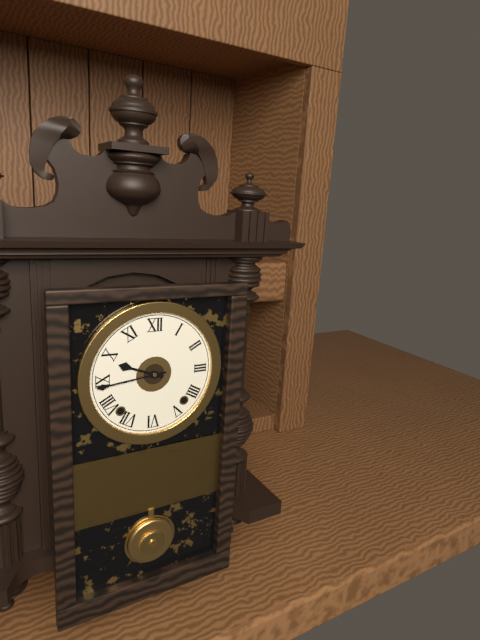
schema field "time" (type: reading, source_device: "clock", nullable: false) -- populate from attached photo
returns 9:44
